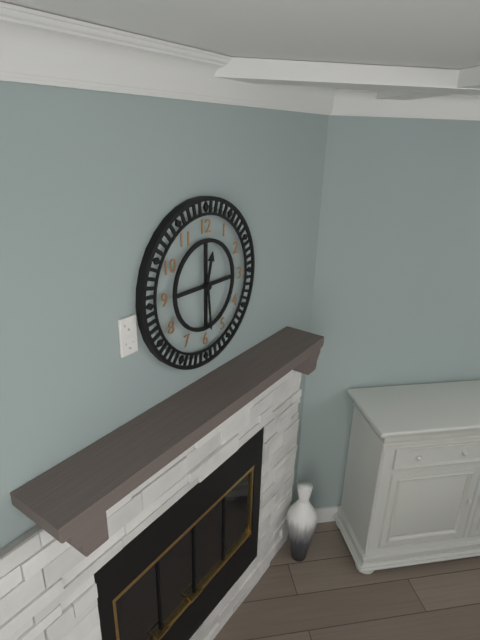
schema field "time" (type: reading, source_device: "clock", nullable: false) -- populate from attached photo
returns 12:29
